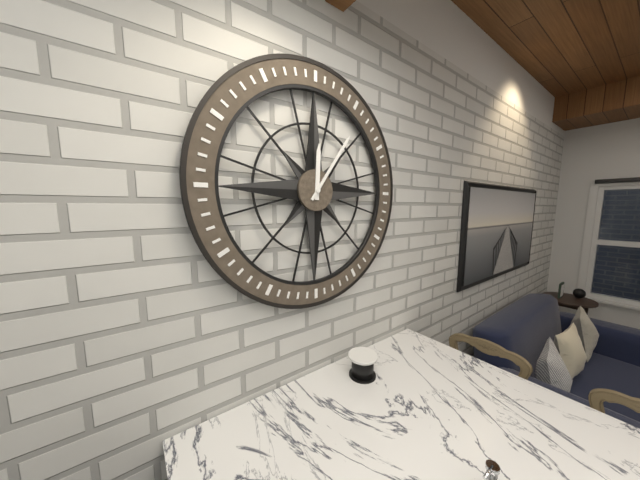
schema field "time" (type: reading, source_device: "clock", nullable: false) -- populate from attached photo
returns 12:06
